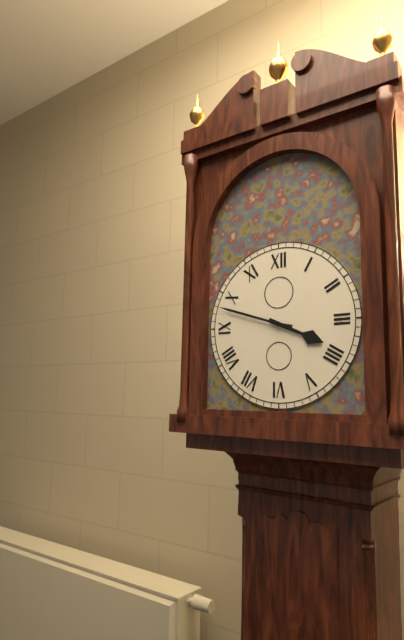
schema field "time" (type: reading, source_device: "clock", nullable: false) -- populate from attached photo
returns 3:48
